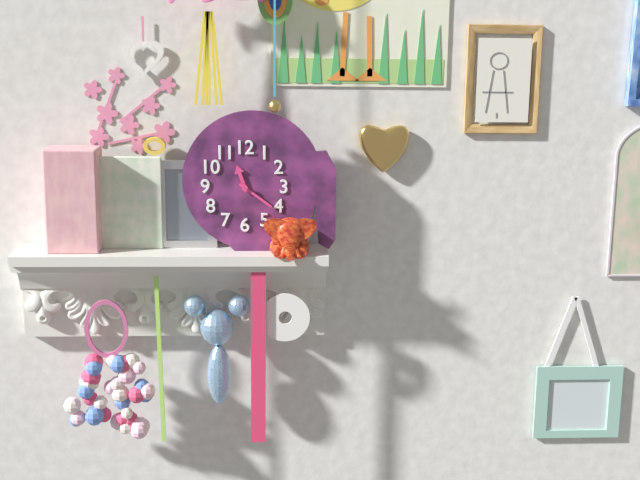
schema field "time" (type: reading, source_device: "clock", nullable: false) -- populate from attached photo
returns 11:21
